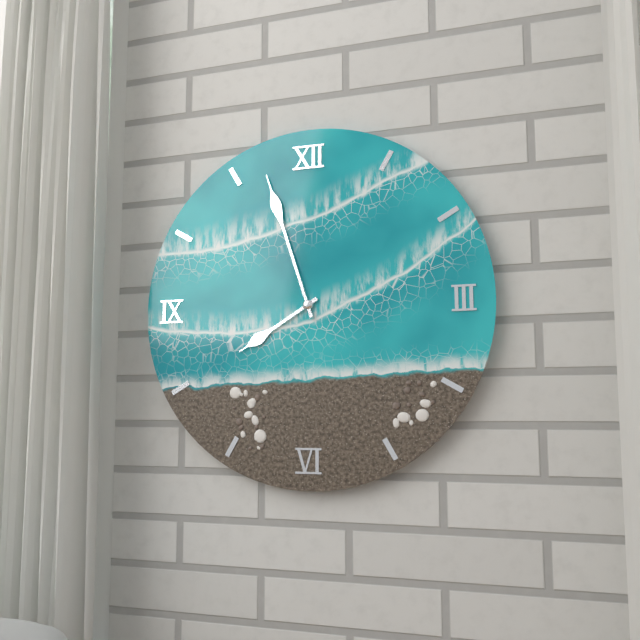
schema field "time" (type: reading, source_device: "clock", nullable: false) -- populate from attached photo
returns 7:57
